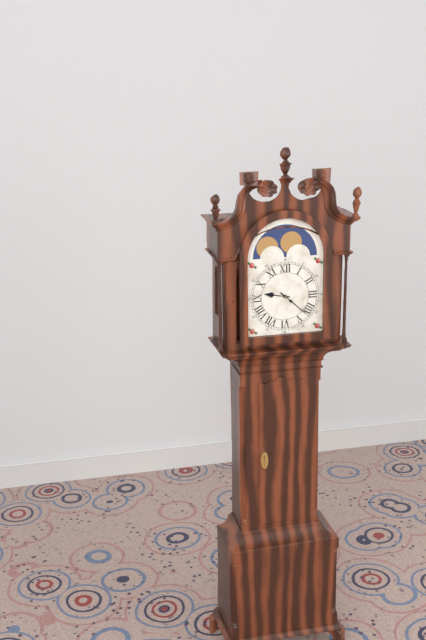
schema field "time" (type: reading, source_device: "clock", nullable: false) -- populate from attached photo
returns 9:22
